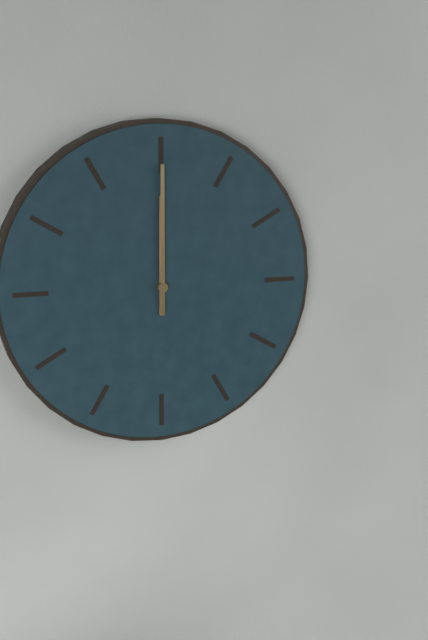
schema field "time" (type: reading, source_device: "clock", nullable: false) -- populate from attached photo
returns 12:00
